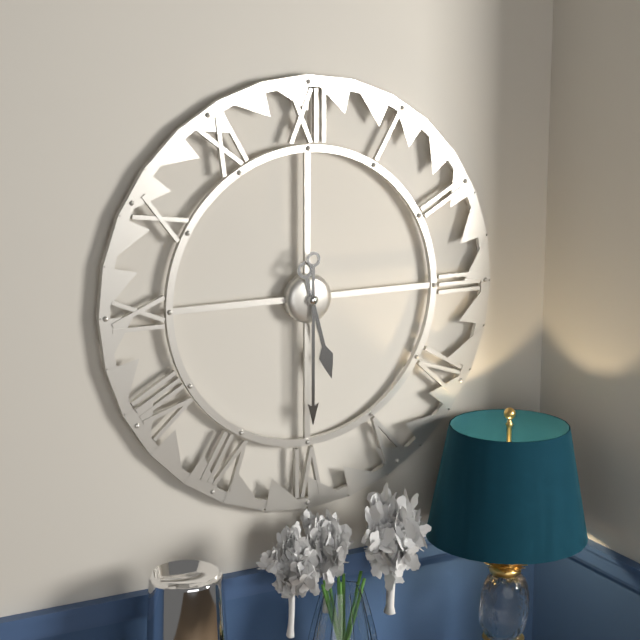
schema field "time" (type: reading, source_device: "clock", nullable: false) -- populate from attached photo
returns 5:30
